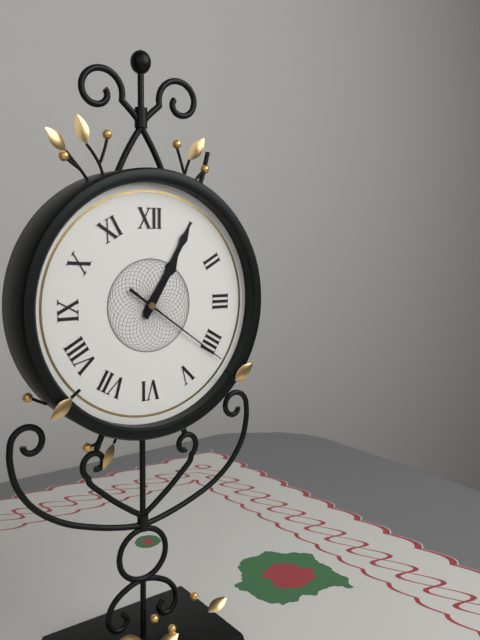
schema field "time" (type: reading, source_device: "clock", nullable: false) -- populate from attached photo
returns 1:05:21
